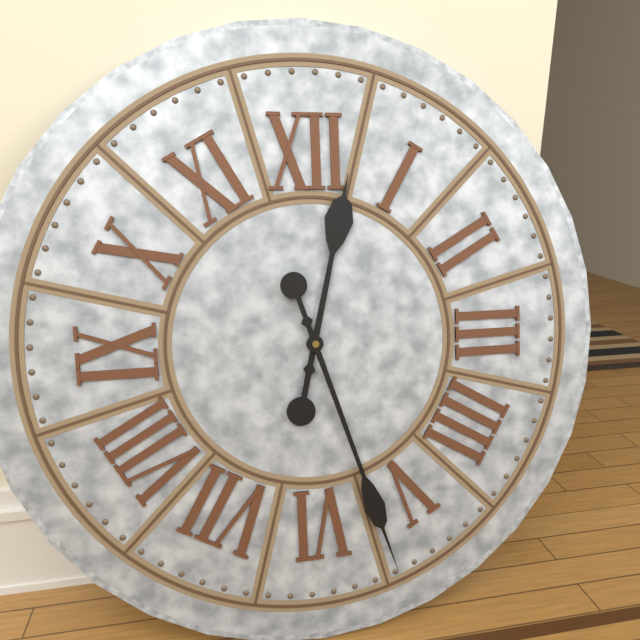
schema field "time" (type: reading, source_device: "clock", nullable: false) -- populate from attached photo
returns 12:27
